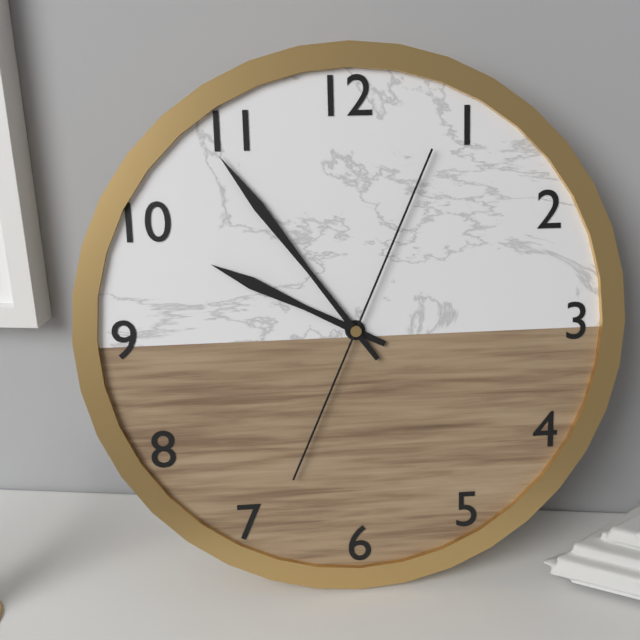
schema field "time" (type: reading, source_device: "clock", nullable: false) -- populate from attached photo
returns 9:54:04
